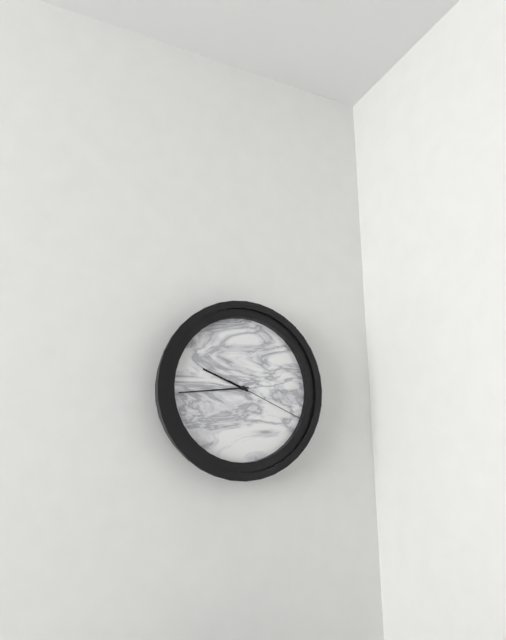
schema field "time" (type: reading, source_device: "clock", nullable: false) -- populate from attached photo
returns 9:44:19
